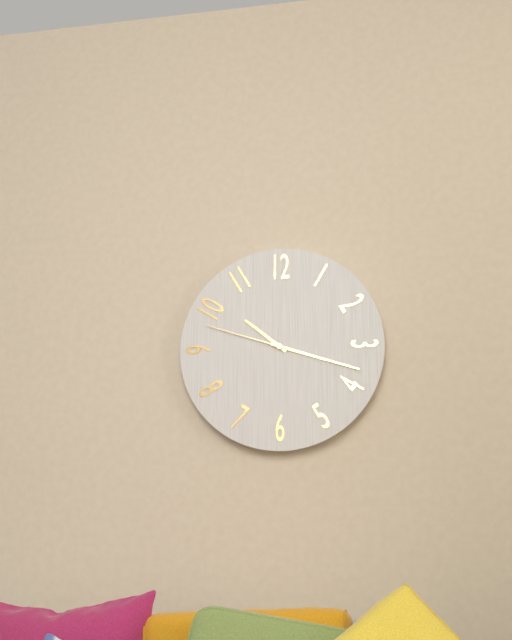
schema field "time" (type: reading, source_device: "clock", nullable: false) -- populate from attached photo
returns 10:18:48
